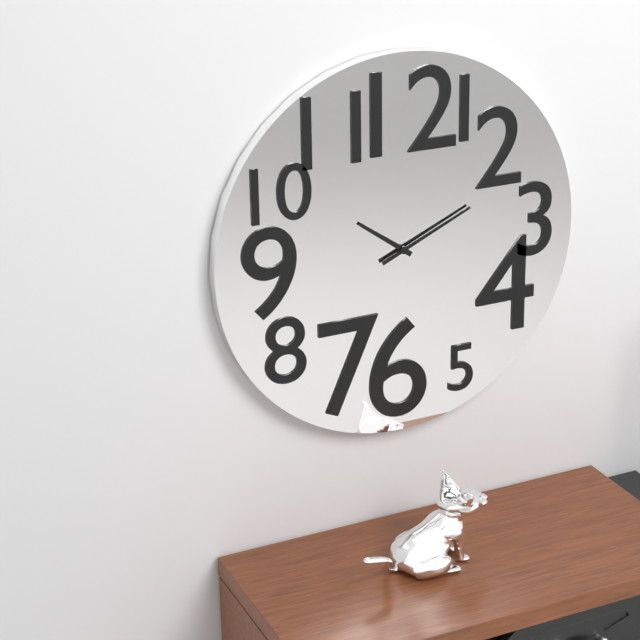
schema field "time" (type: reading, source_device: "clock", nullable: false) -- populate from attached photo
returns 10:11
